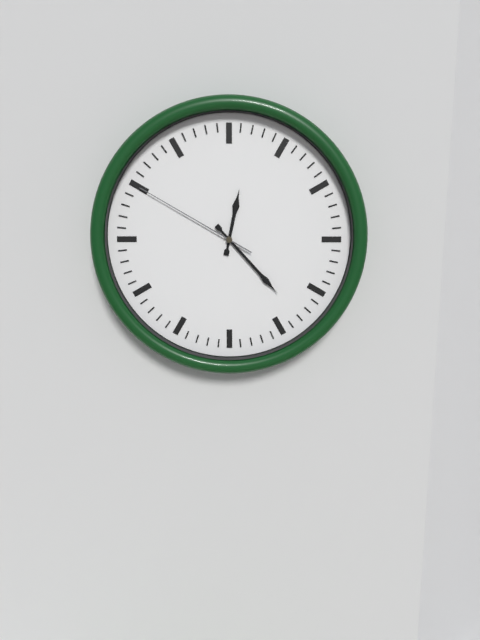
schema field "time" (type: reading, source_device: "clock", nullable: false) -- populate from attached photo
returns 12:23:50
